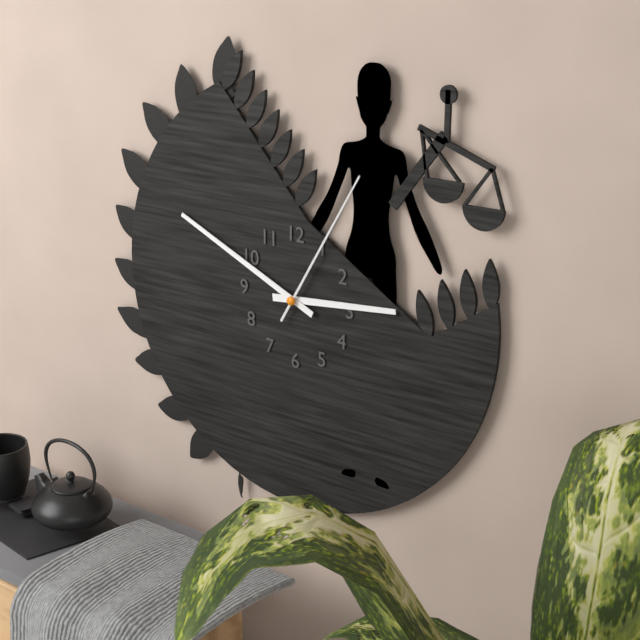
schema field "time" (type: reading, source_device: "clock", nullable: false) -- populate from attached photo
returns 2:49:05
